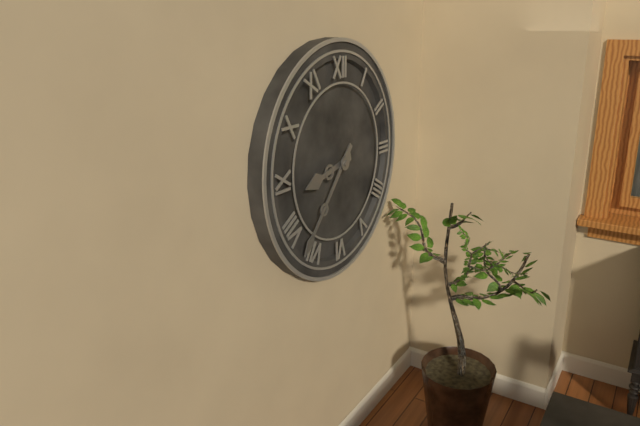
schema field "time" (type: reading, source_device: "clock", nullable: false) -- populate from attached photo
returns 8:37
